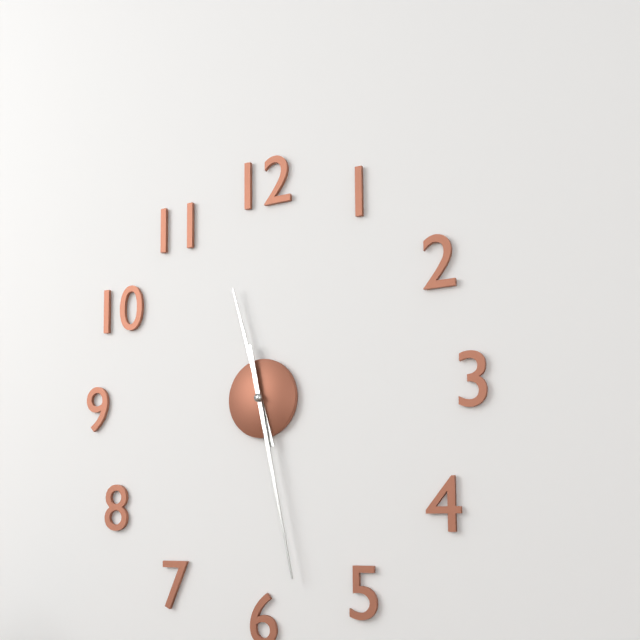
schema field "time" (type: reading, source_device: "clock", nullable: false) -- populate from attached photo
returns 11:28
